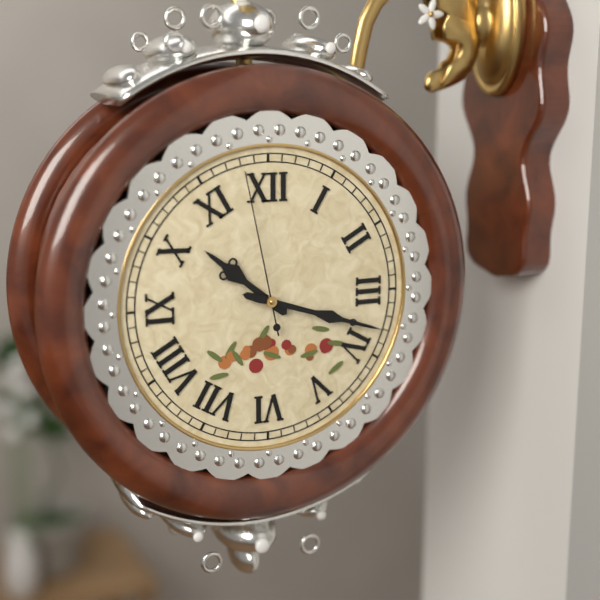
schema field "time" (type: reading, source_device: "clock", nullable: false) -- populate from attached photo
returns 10:18:58
